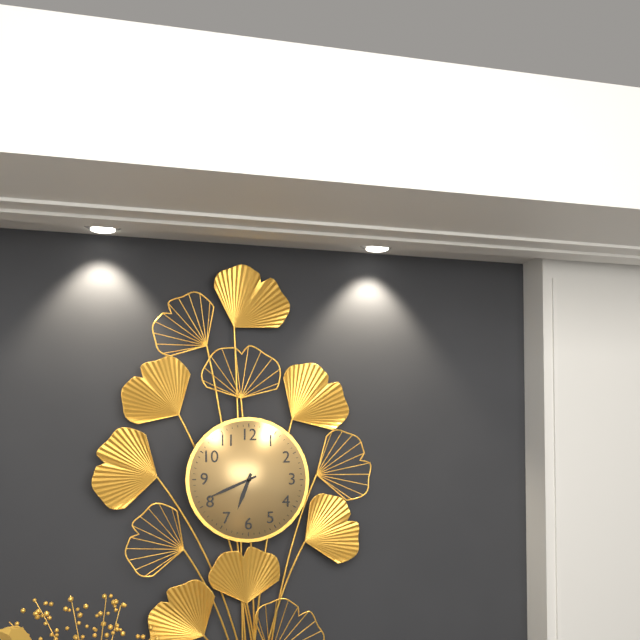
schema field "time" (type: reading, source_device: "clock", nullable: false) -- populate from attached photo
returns 6:41
